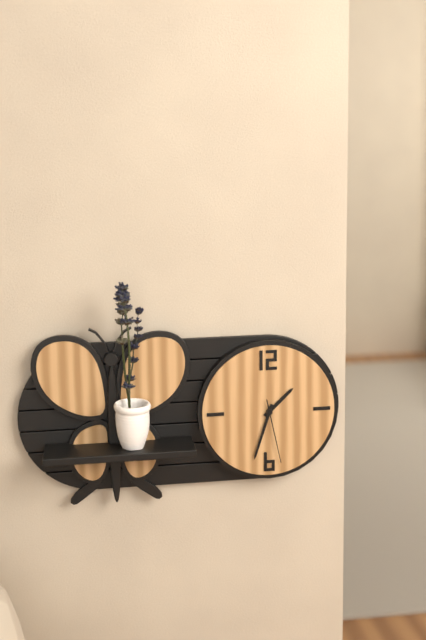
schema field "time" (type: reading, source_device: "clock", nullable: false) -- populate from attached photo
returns 1:33:28
